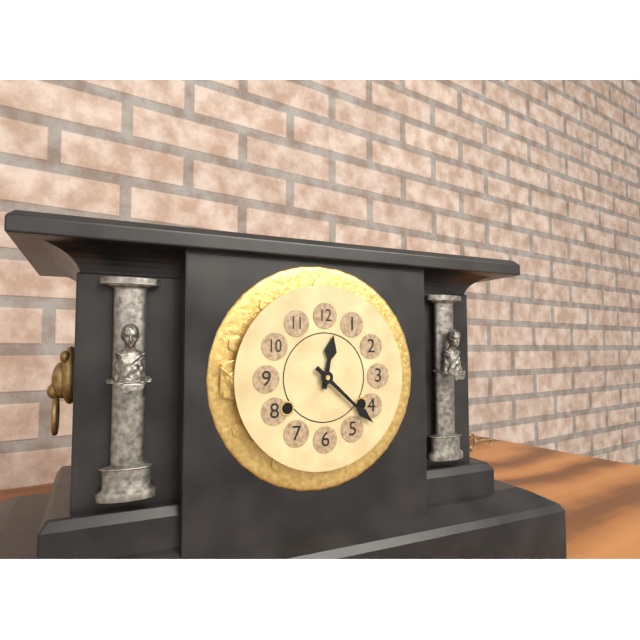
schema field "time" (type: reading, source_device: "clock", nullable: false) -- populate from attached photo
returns 12:22
